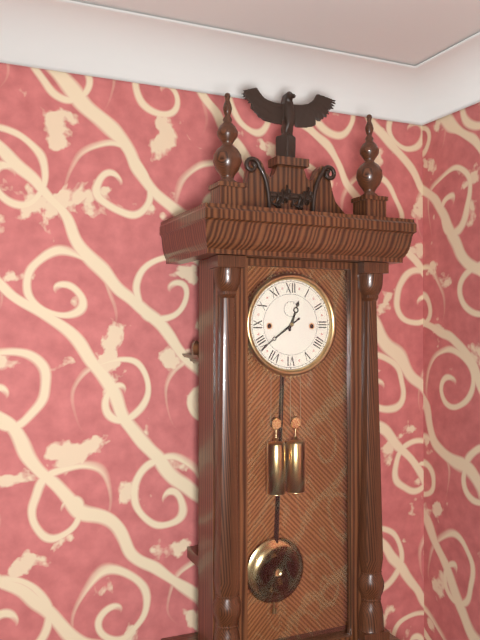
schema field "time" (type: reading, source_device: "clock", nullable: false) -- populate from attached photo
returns 12:39
